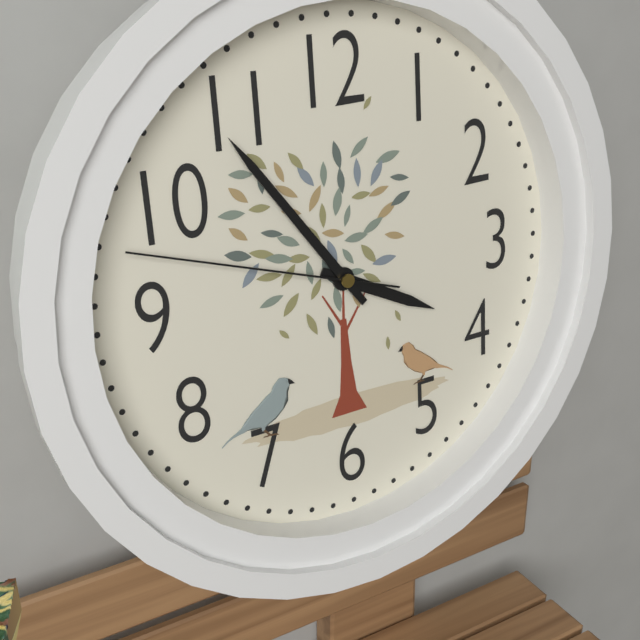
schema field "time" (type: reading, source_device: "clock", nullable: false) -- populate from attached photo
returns 3:54:48
